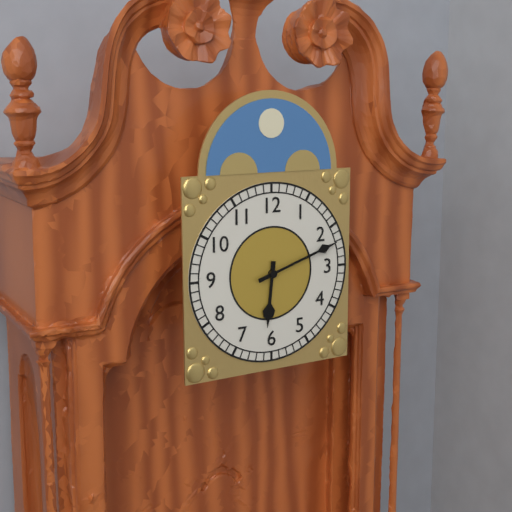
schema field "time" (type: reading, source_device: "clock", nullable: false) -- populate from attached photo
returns 6:12
